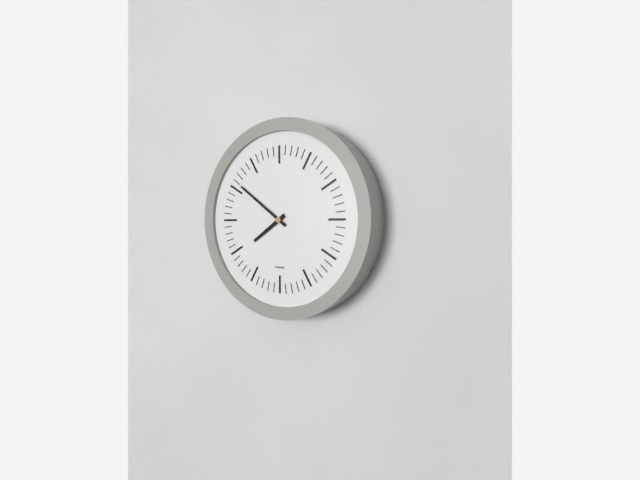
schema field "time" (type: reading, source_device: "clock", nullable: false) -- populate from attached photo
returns 7:51
